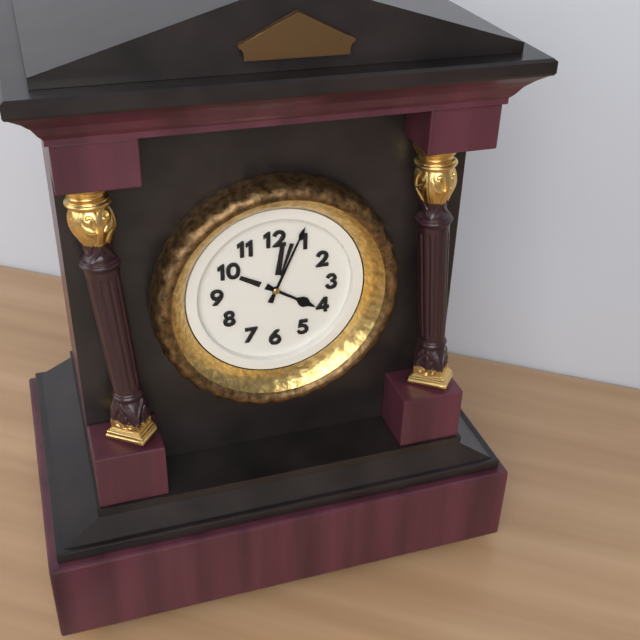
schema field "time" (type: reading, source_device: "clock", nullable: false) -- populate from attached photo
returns 4:04
